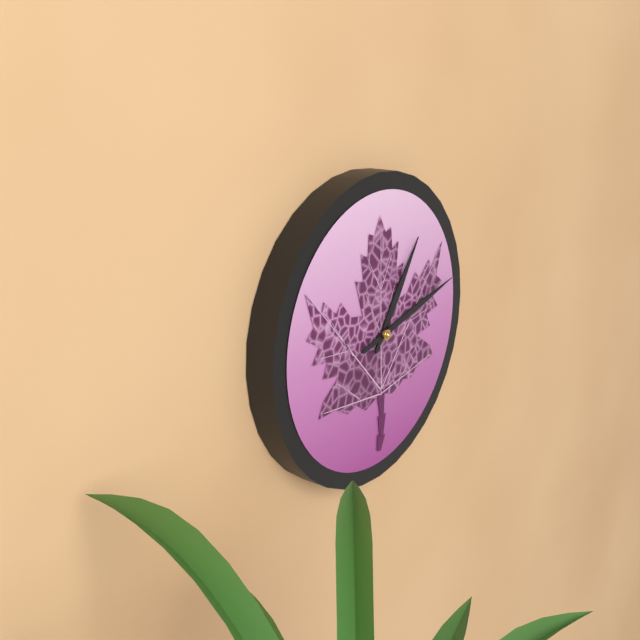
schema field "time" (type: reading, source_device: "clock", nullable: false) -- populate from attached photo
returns 1:13
